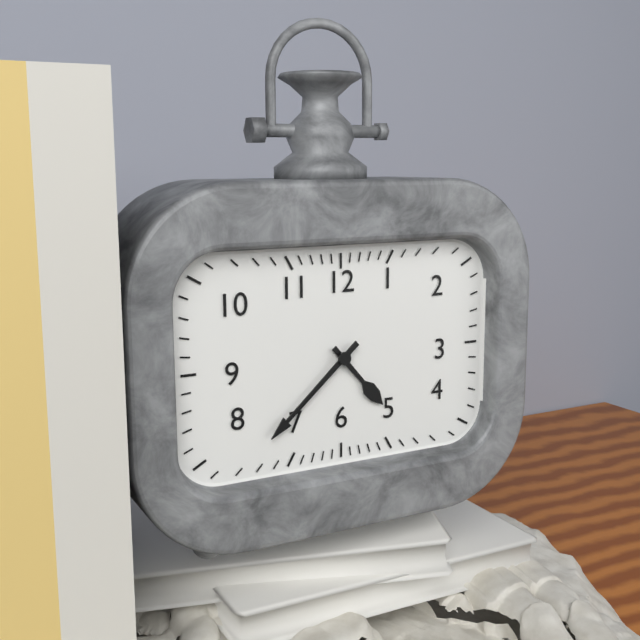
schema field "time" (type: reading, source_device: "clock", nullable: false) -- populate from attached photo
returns 4:38
